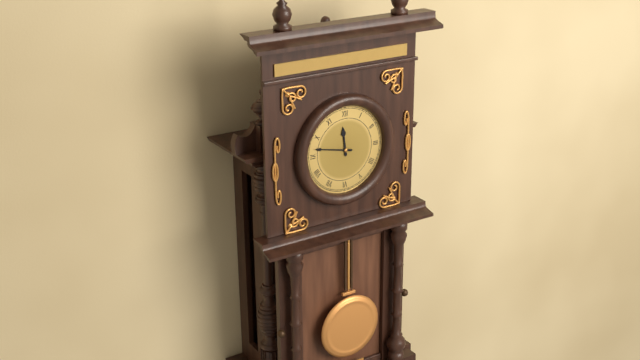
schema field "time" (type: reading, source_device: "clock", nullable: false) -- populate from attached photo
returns 11:47
